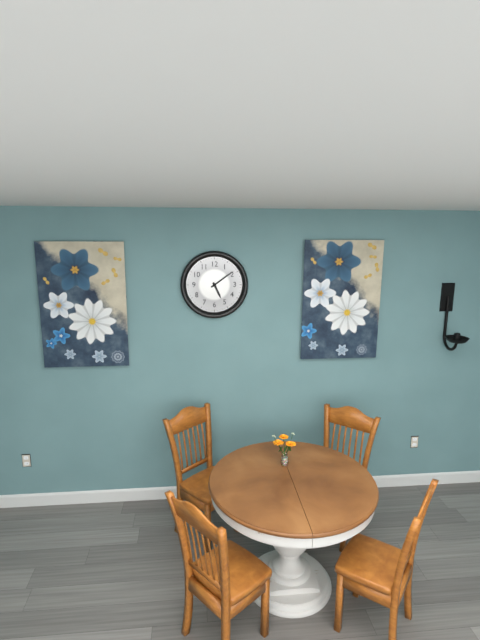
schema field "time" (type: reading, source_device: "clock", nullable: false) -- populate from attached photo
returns 5:09
